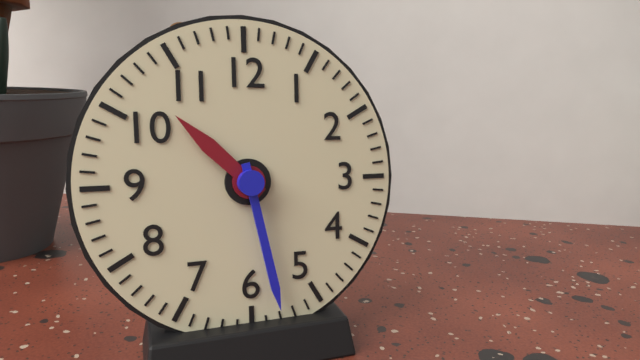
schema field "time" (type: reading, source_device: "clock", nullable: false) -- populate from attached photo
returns 10:28
